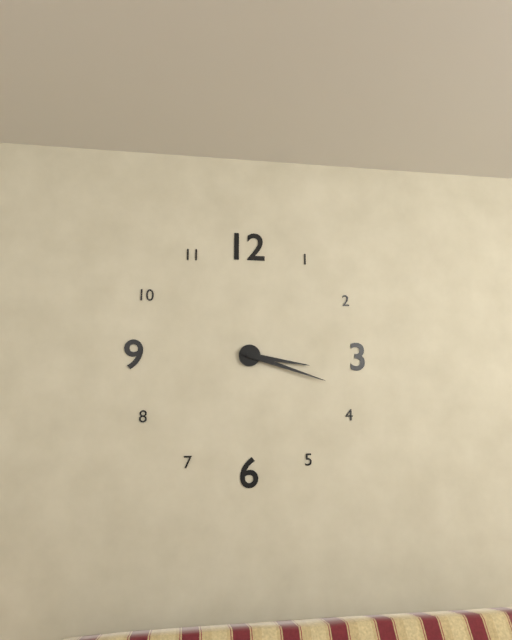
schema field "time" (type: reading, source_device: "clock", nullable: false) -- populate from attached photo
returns 3:18
